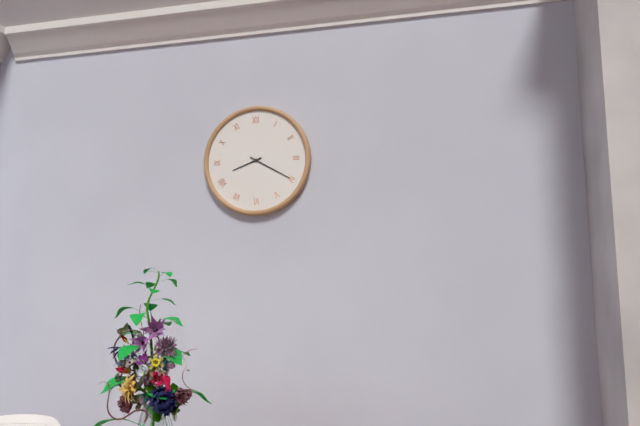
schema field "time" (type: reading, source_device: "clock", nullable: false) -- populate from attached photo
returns 8:20
